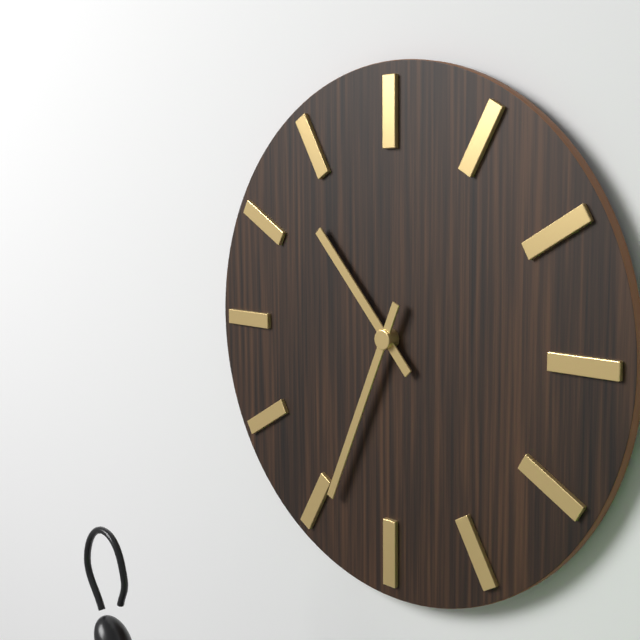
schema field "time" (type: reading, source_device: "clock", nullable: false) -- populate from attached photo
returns 10:34
